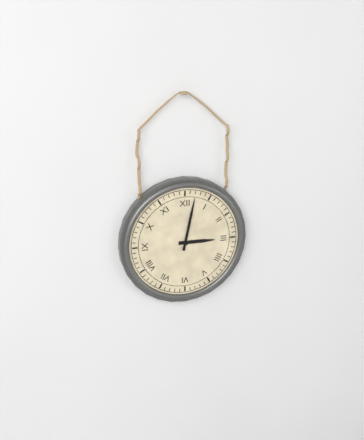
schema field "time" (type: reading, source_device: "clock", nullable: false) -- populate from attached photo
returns 3:02
